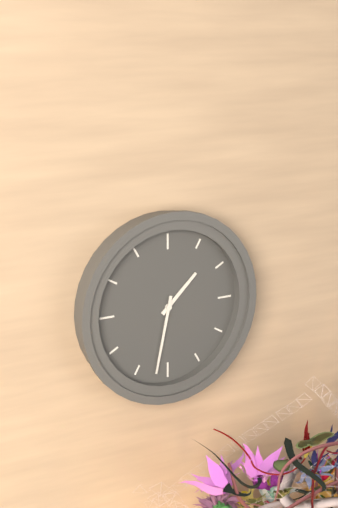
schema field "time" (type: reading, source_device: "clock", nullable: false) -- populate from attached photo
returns 1:32
